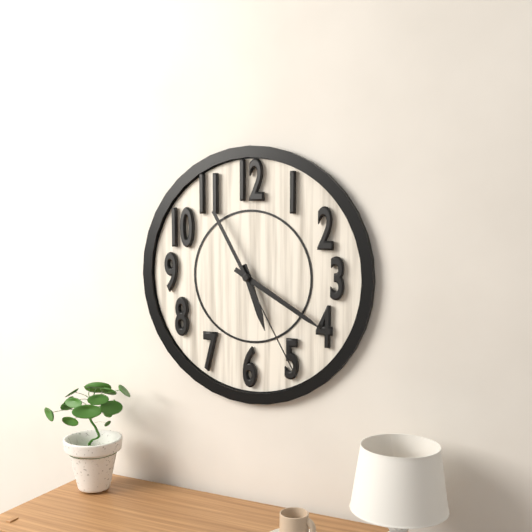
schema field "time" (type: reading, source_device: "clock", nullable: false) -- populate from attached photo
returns 5:20:25
